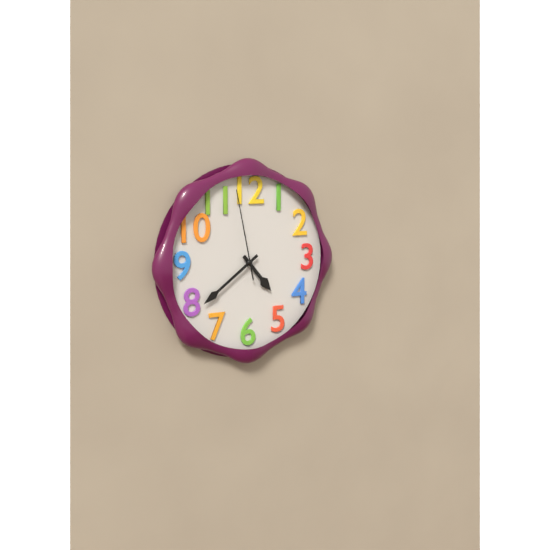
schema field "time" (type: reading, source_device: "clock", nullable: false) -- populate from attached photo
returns 4:39:58
